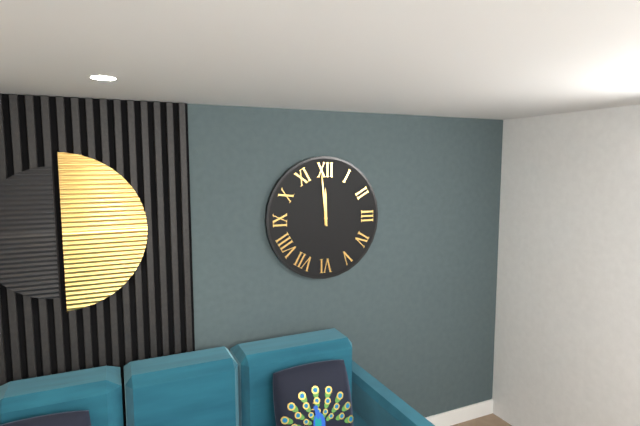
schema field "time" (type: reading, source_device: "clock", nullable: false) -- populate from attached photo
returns 11:59
